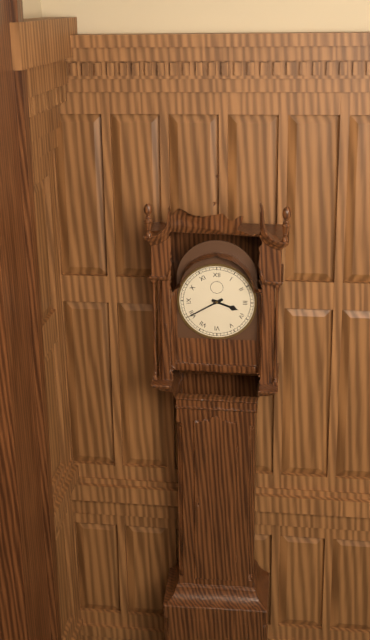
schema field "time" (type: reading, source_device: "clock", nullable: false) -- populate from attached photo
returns 3:40
